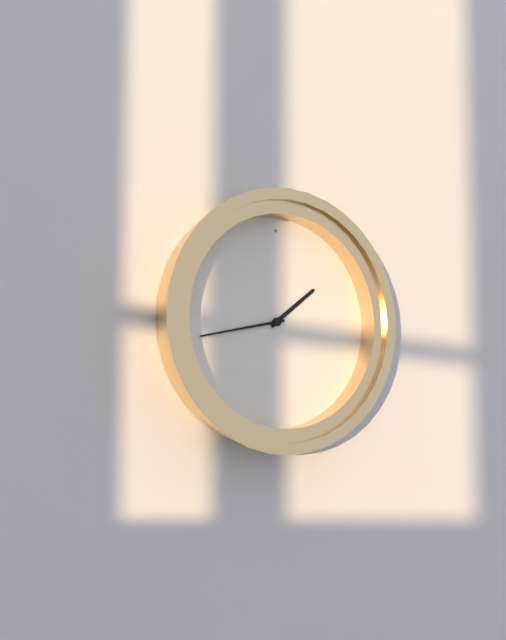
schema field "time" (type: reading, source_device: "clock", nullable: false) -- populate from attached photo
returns 1:43
